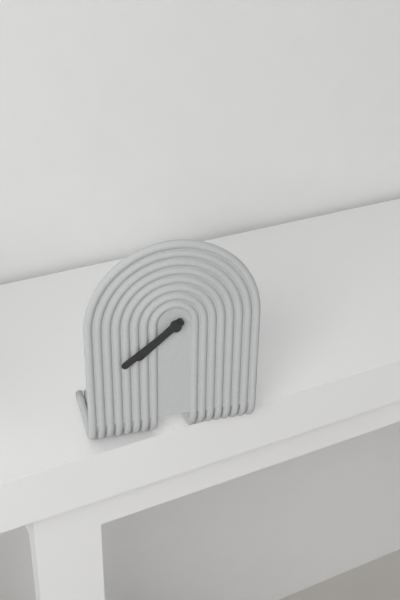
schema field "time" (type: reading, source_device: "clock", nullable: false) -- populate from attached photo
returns 7:39
